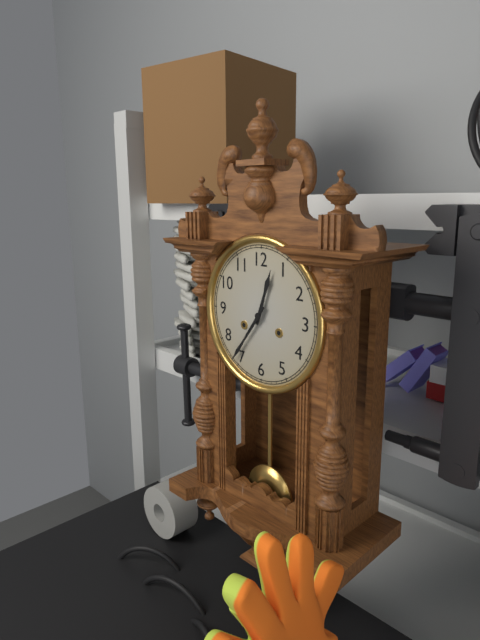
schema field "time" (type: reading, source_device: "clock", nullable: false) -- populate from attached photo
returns 12:36
